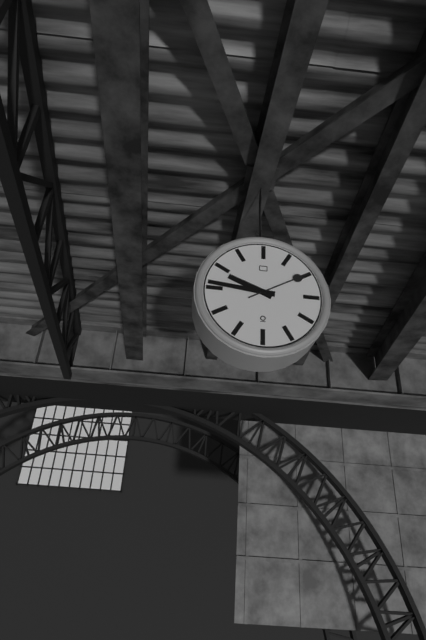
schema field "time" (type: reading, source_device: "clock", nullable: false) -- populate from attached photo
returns 9:46:10
